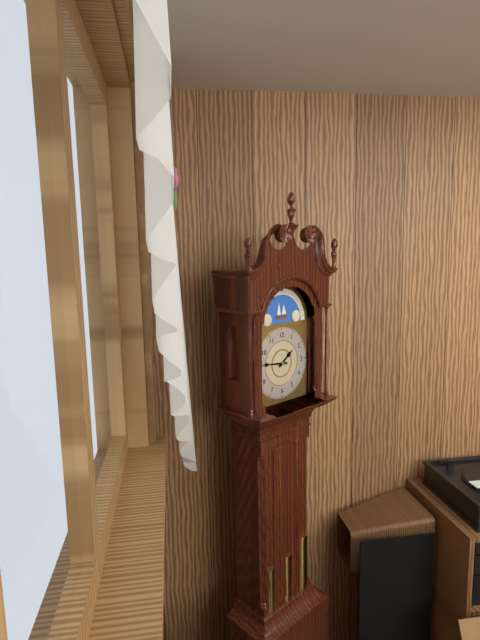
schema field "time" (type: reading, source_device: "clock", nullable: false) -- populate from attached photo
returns 1:46
